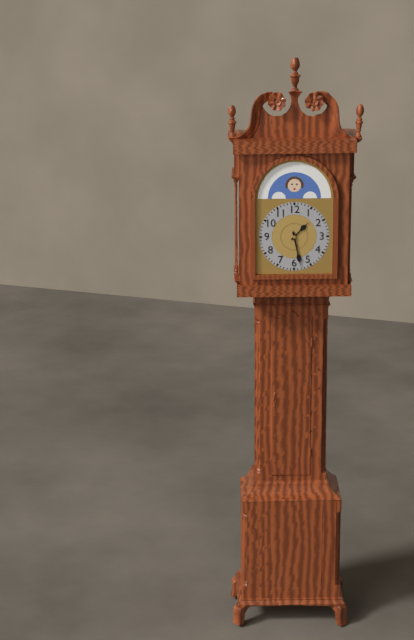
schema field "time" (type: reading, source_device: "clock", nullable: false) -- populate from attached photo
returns 1:28
